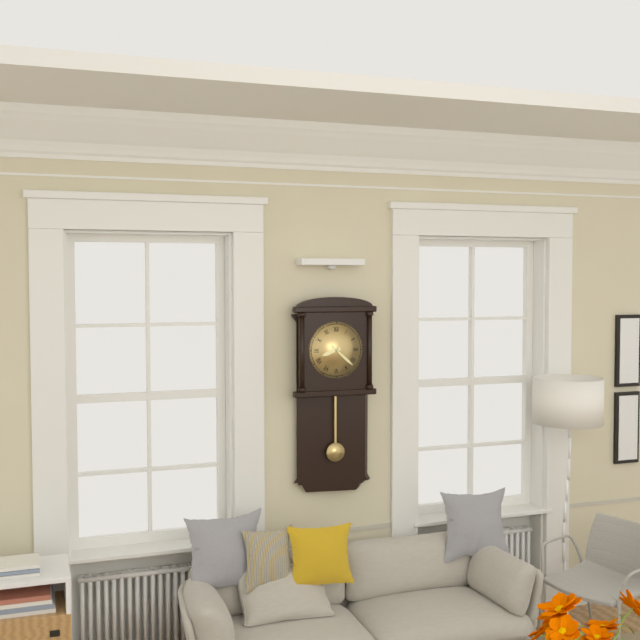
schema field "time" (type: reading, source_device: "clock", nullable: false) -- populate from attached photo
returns 8:22
